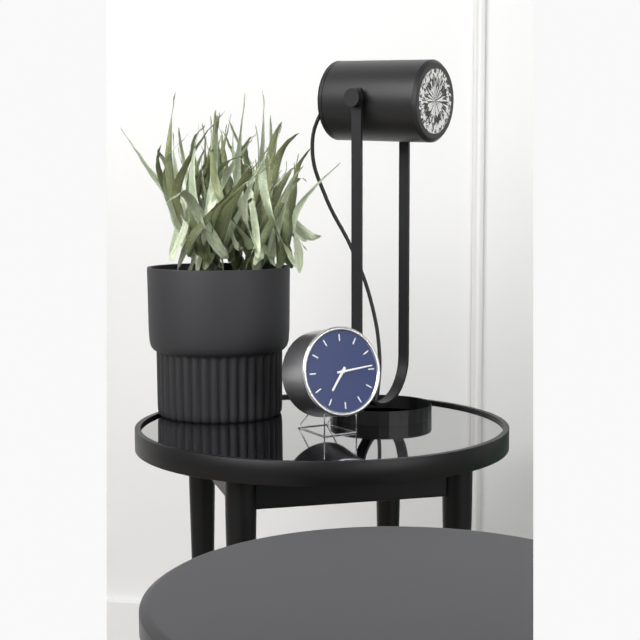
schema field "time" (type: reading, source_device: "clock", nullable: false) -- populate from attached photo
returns 7:14
